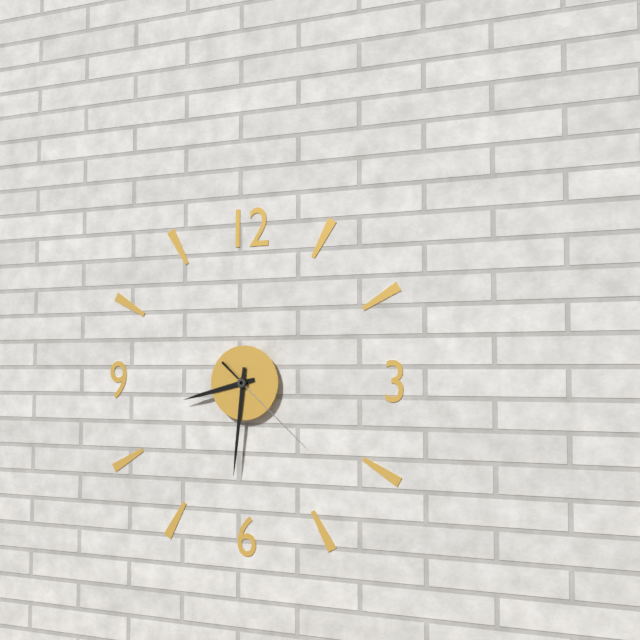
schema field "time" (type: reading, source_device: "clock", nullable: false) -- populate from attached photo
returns 8:31:22
